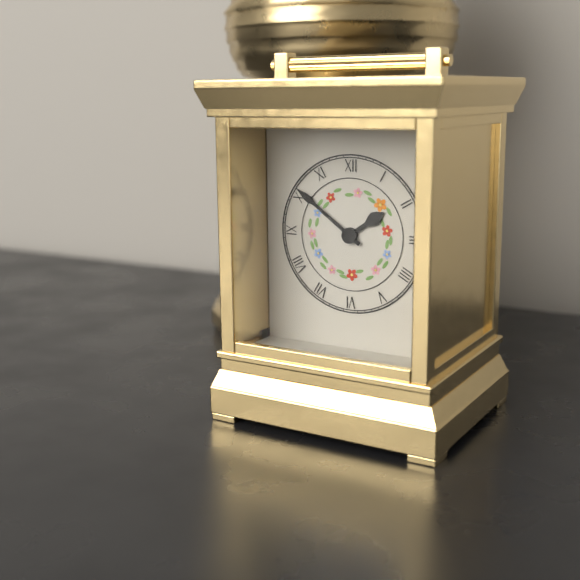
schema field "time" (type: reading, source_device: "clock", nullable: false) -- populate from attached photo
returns 1:51
